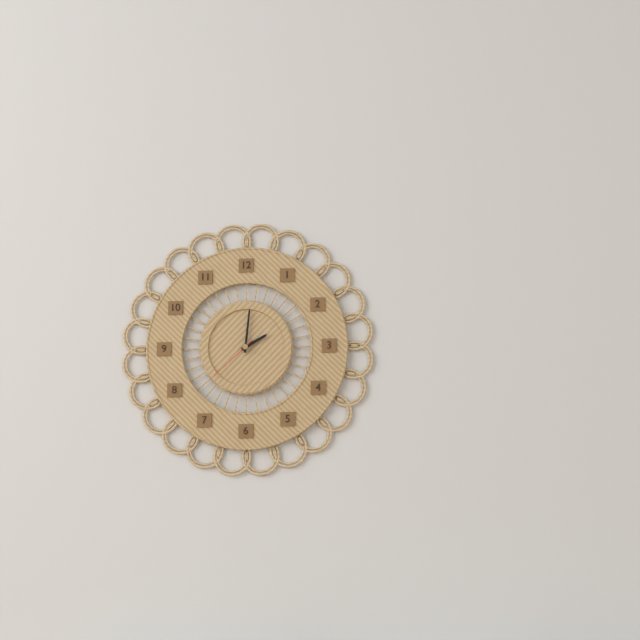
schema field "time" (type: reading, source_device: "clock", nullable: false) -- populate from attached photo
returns 2:01:38
